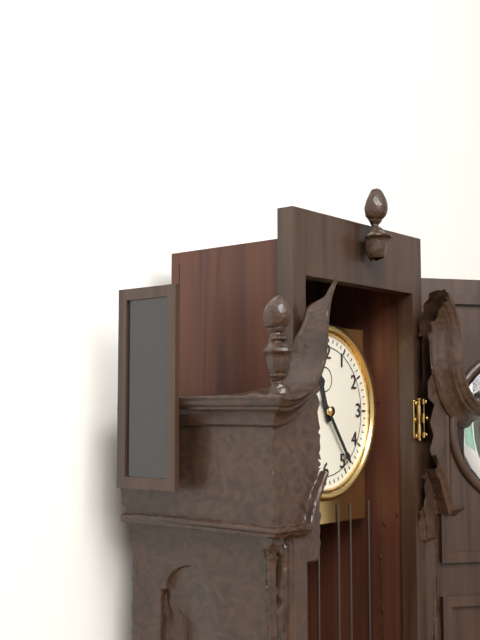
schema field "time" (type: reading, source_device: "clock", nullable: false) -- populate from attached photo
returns 11:24
